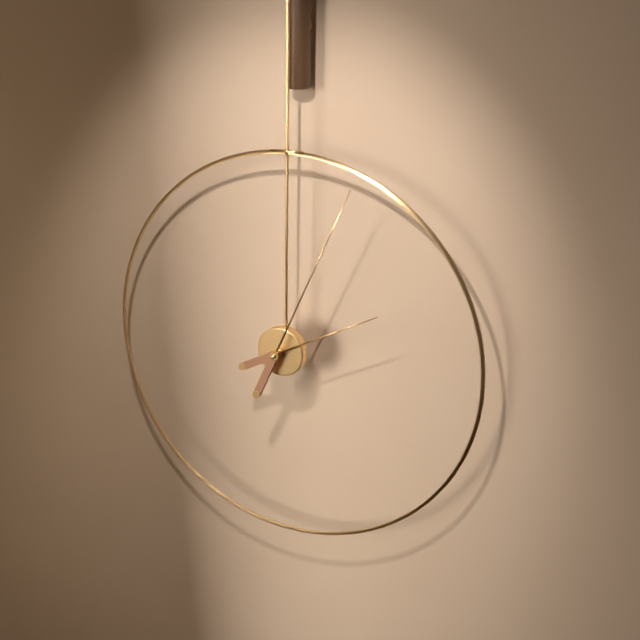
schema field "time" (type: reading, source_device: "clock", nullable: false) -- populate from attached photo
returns 2:04
